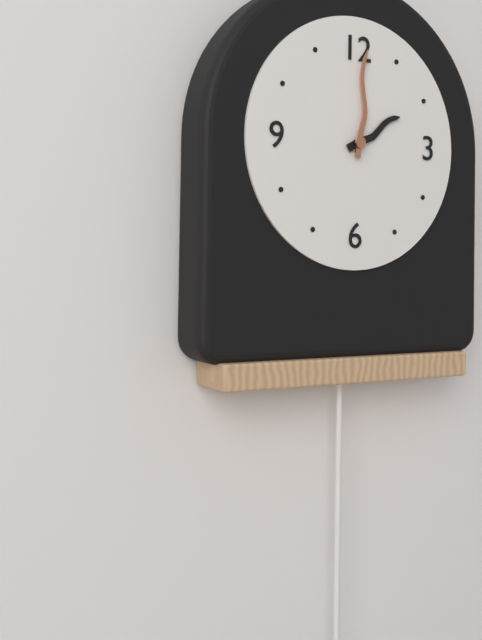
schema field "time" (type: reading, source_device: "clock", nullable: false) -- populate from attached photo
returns 2:01
